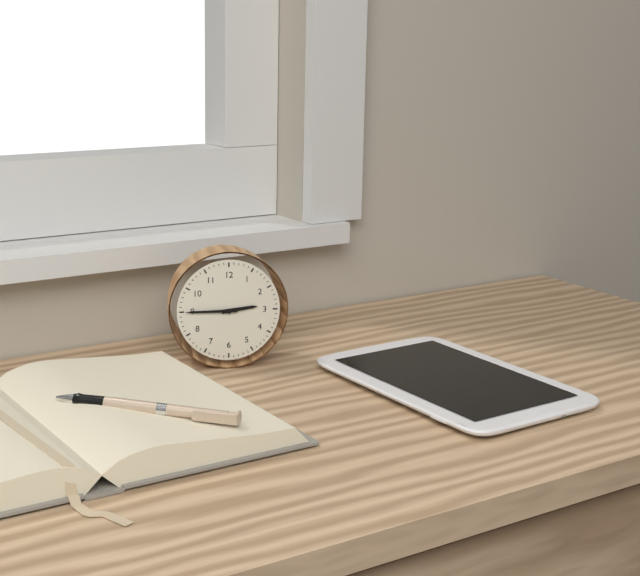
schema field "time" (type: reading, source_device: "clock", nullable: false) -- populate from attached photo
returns 2:45
